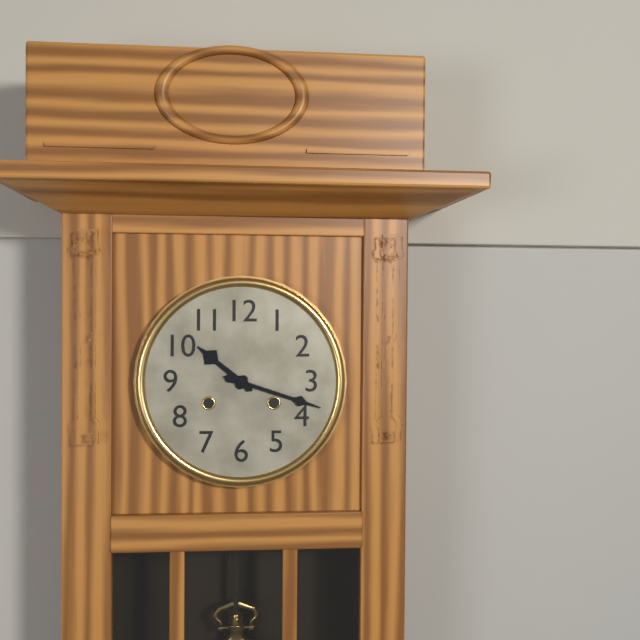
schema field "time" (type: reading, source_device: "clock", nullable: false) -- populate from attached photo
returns 10:18
